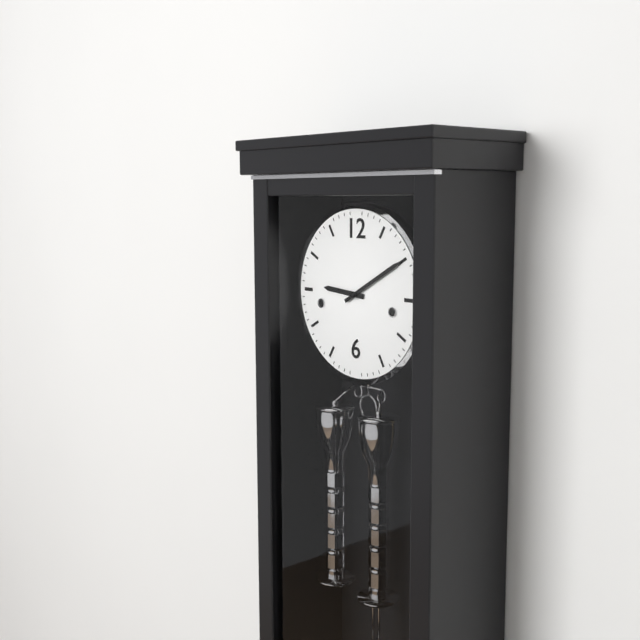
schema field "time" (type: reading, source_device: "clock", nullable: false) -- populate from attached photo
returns 9:10
